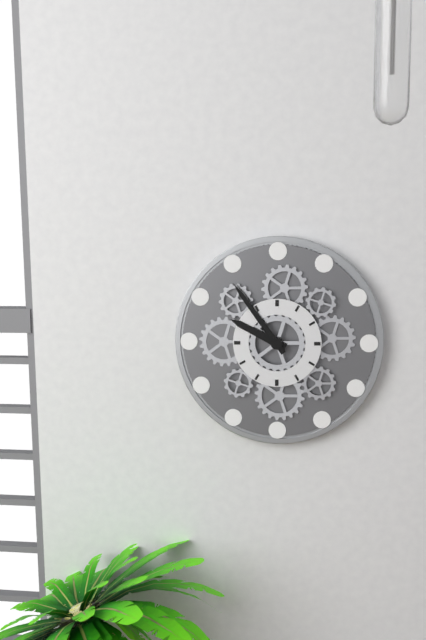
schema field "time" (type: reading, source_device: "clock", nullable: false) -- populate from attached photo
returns 9:54
